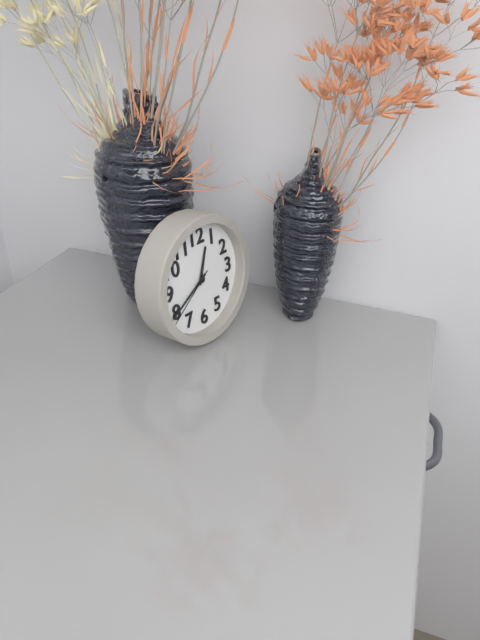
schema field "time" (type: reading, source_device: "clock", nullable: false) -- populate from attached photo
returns 12:40:39
